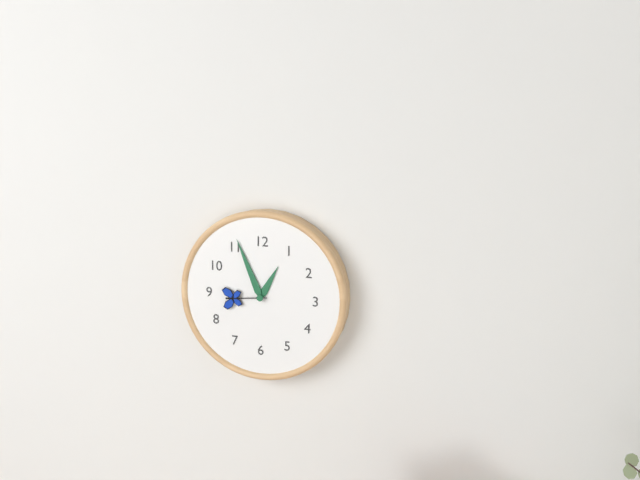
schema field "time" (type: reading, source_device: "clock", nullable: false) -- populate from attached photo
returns 12:56
